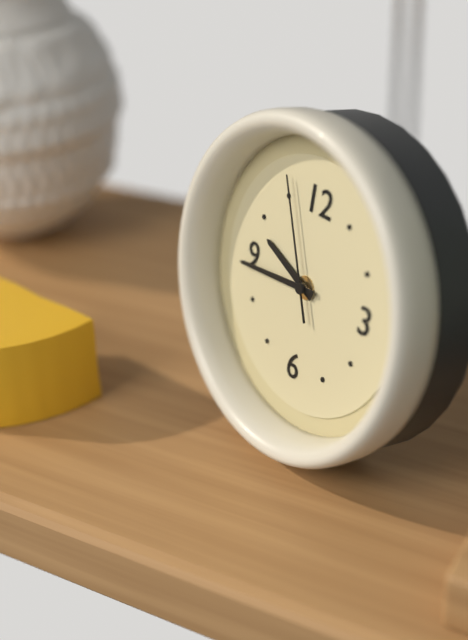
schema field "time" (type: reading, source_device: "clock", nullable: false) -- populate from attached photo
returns 9:44:56
